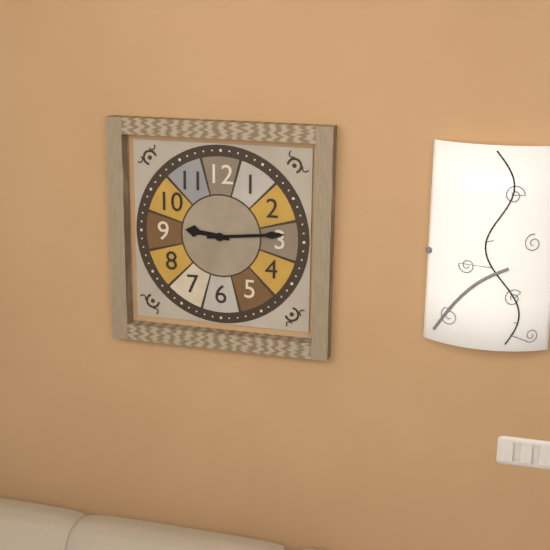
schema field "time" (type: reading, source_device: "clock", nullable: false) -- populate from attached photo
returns 9:14
